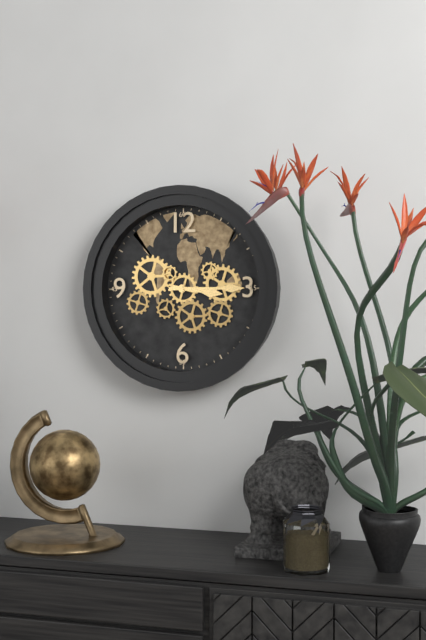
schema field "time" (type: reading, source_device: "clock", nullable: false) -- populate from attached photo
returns 3:15
